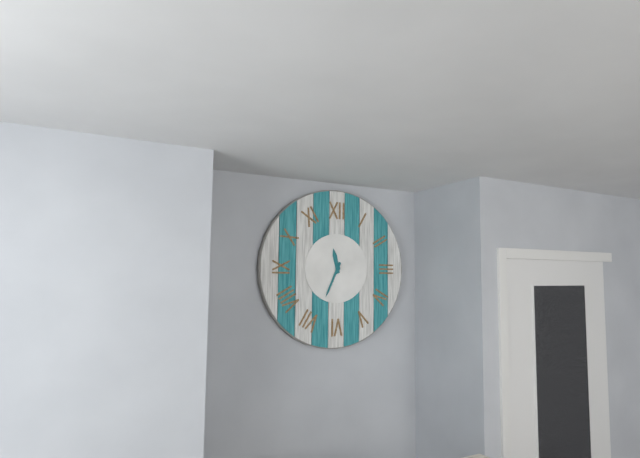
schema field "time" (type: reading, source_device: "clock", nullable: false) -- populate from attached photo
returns 11:34
